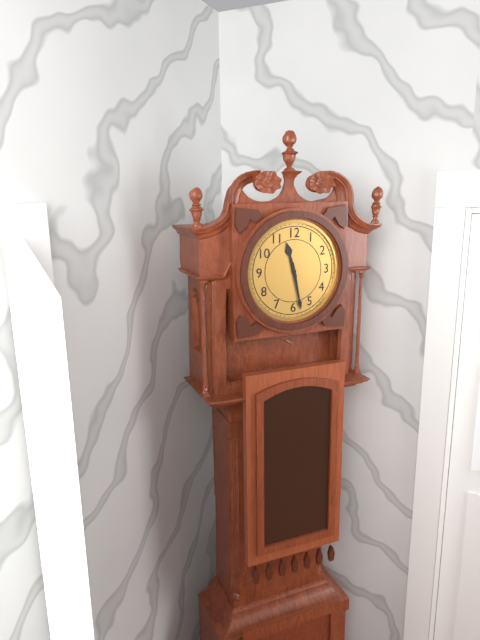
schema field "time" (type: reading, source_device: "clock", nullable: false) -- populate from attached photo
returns 11:28
